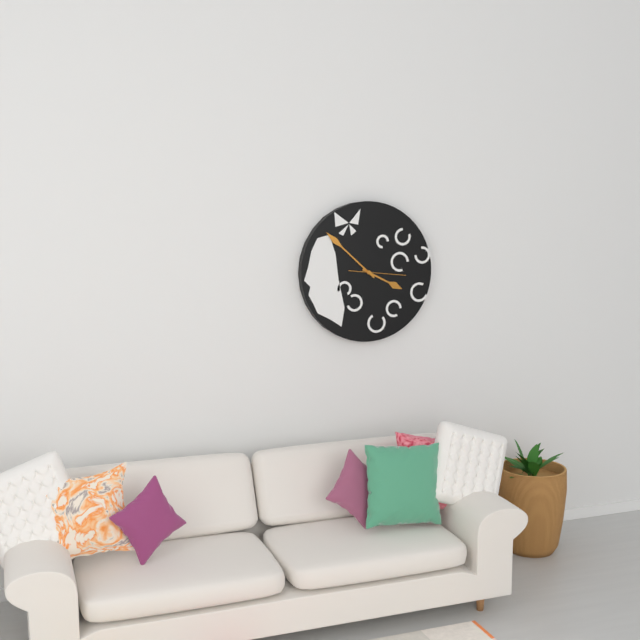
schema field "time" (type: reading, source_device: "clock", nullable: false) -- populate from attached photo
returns 3:52
